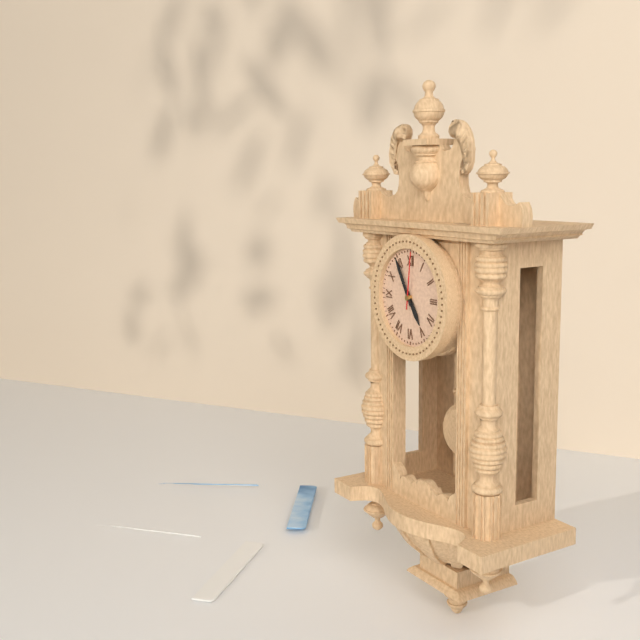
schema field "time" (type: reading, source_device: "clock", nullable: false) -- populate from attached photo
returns 4:55:01
